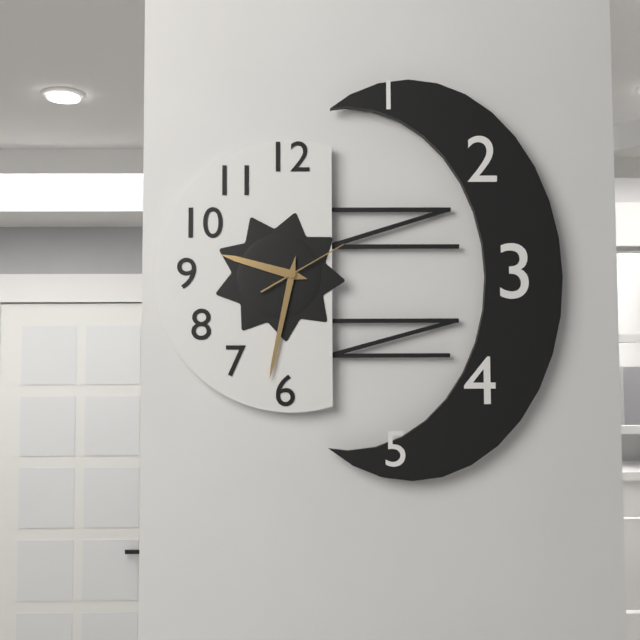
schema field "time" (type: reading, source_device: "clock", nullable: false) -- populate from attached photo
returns 9:32:10
